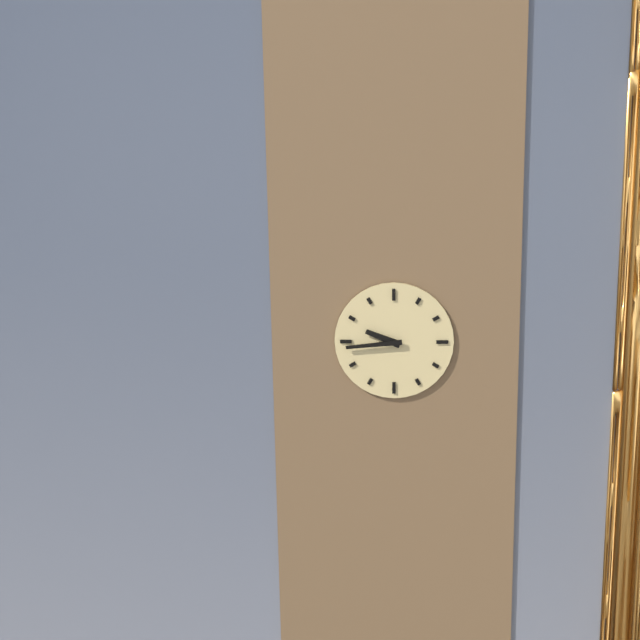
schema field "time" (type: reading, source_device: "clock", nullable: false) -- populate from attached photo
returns 9:44
